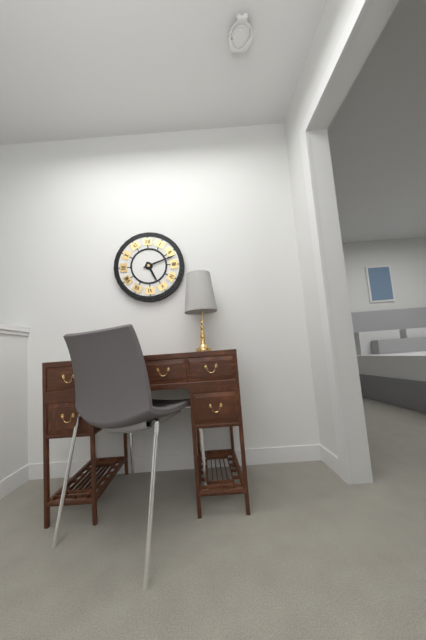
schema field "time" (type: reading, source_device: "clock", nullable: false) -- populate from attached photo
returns 5:12
